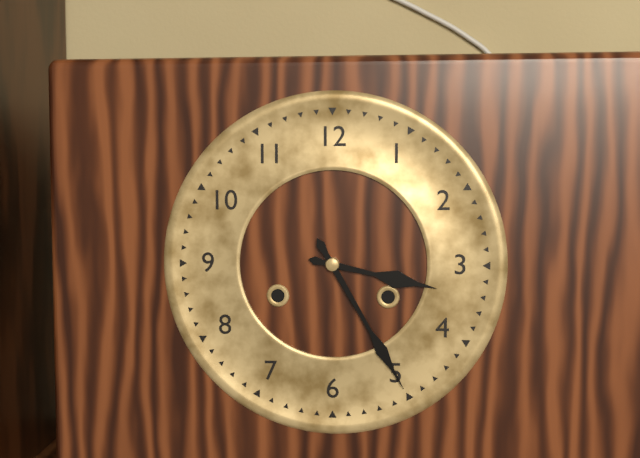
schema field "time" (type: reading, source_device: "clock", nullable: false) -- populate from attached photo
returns 3:25
